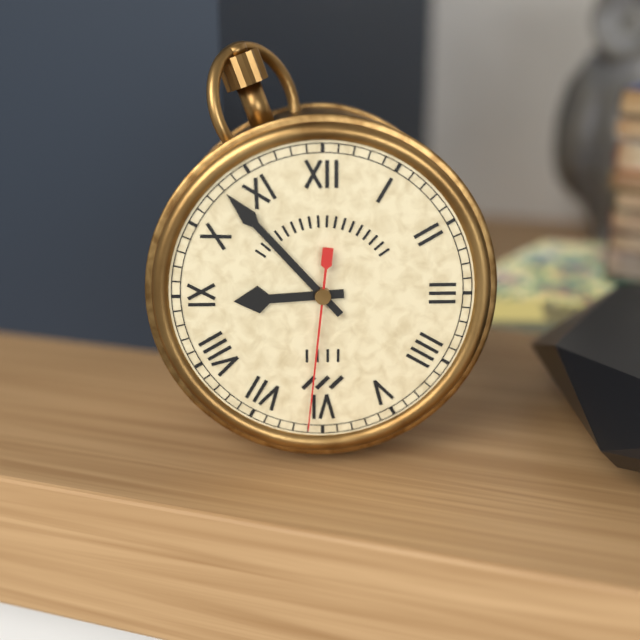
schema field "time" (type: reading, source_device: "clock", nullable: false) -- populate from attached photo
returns 8:53:31
